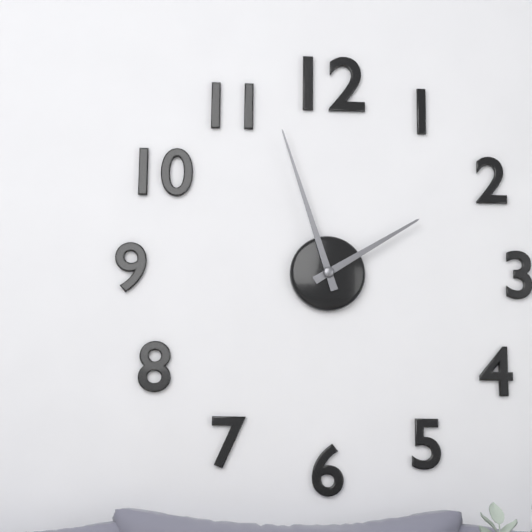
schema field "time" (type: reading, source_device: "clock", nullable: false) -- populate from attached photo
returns 1:57
